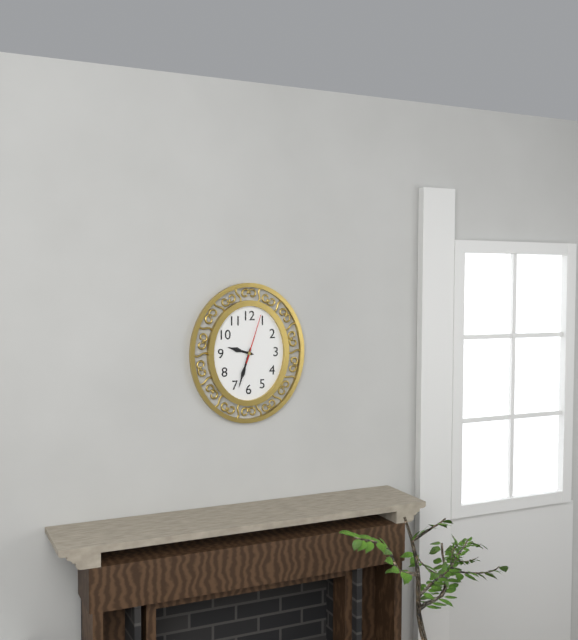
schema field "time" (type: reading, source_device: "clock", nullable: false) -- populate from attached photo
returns 9:33:03
